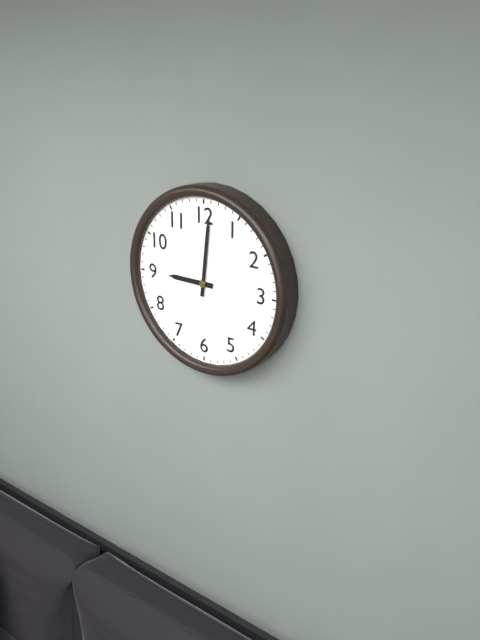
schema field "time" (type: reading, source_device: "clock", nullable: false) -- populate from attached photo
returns 9:01
